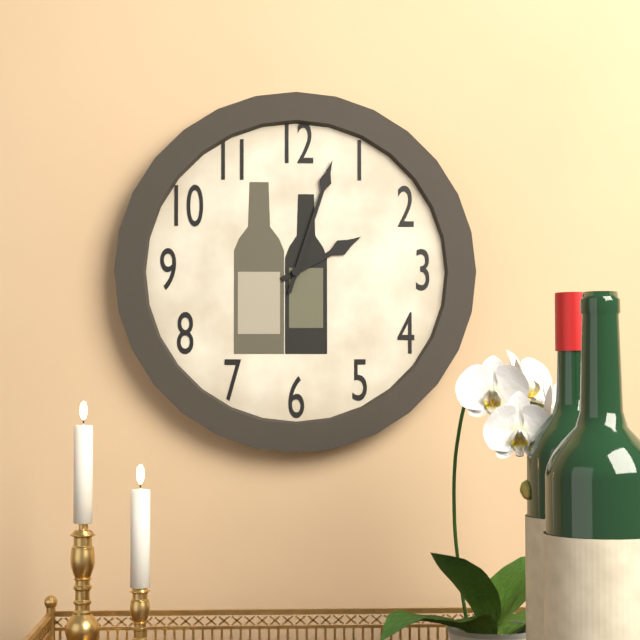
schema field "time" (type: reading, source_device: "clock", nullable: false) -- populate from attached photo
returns 2:03
